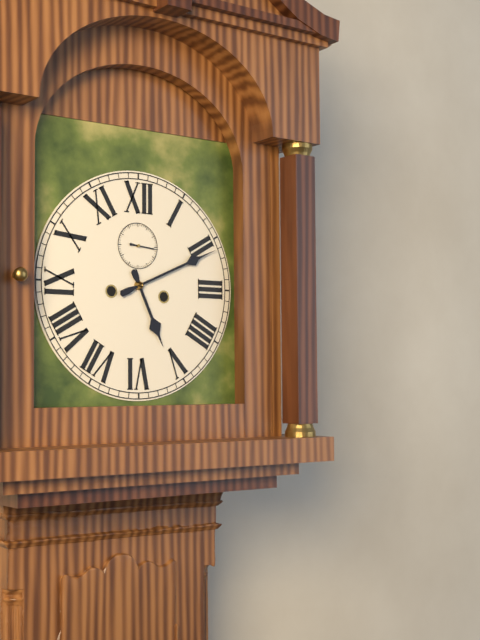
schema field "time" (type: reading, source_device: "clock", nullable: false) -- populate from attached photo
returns 5:11
